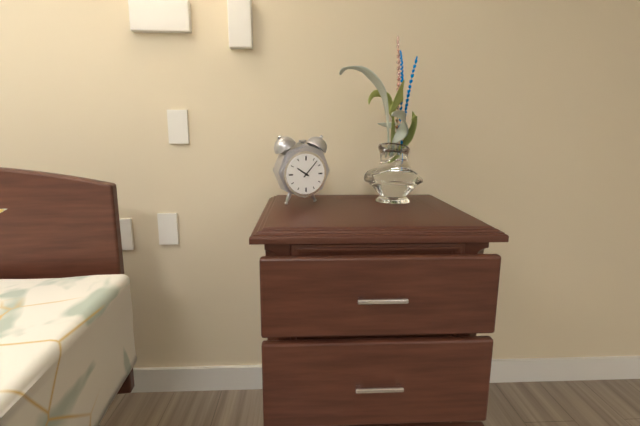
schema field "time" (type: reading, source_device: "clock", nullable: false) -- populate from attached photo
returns 10:07
